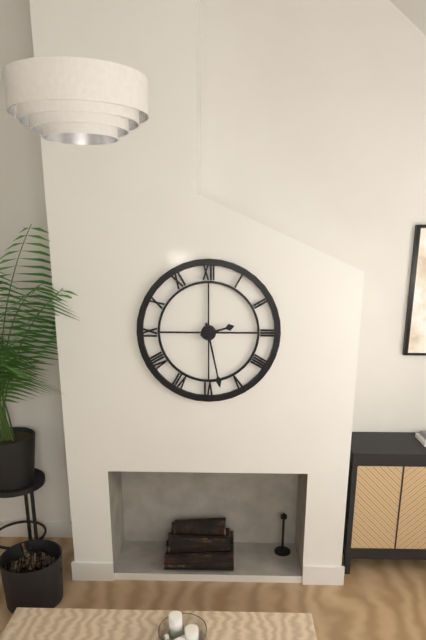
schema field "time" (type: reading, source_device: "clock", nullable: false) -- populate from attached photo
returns 2:28
